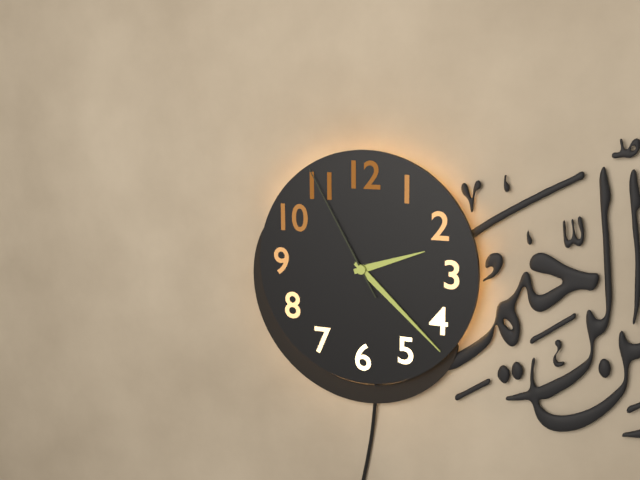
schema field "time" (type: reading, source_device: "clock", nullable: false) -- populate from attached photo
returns 2:22:55
